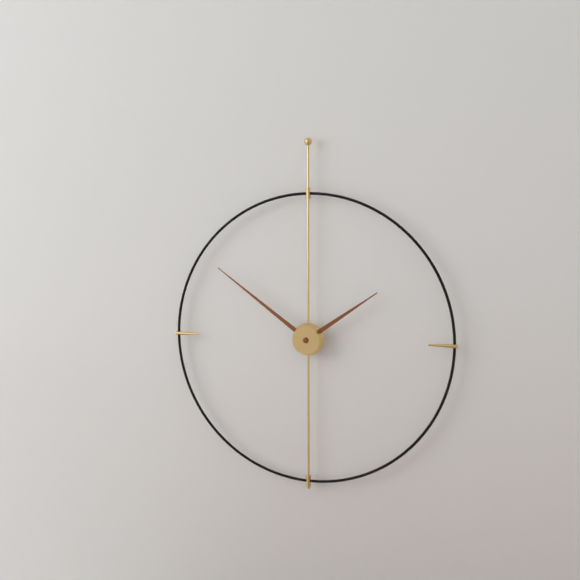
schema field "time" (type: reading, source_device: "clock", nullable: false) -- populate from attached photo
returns 1:51
